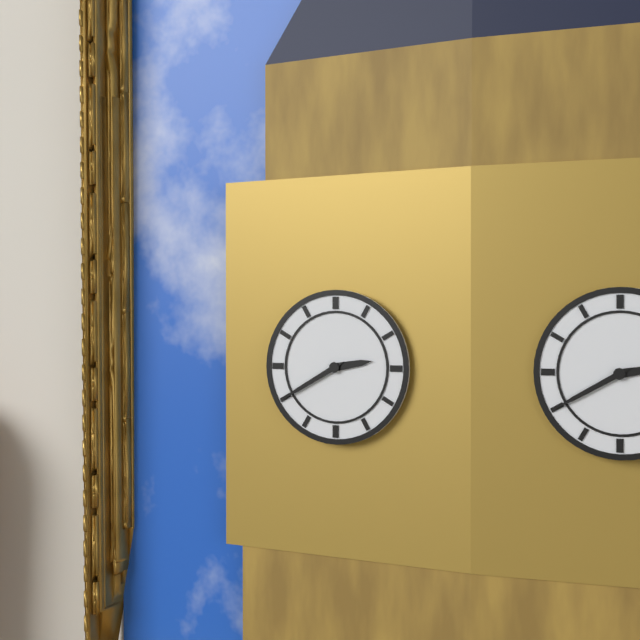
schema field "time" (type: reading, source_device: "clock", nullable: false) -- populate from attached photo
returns 2:40
